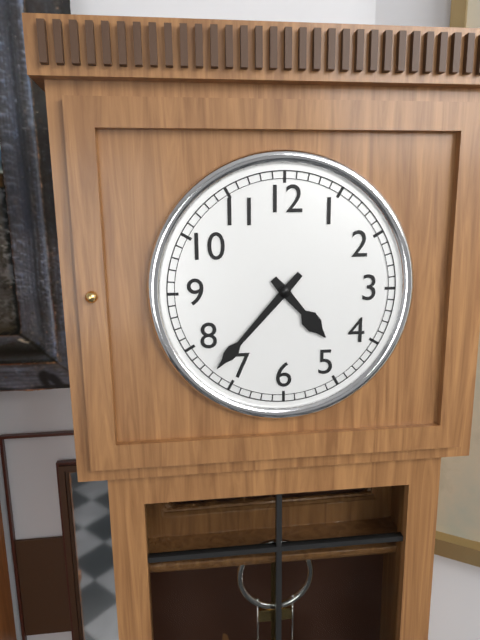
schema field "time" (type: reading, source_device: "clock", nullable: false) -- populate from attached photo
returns 4:37
